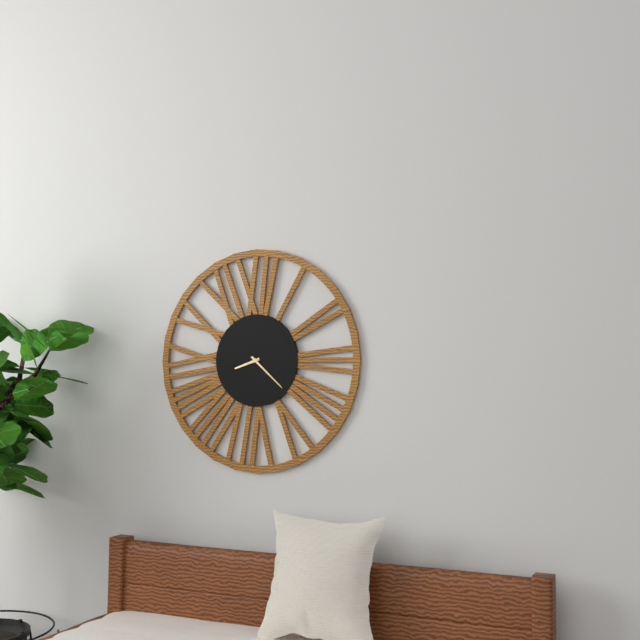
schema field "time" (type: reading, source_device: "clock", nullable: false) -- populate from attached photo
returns 8:22
